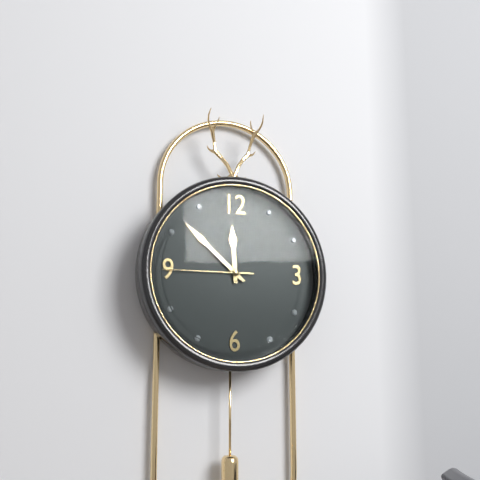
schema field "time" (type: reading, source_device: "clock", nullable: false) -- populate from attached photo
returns 11:52:45
